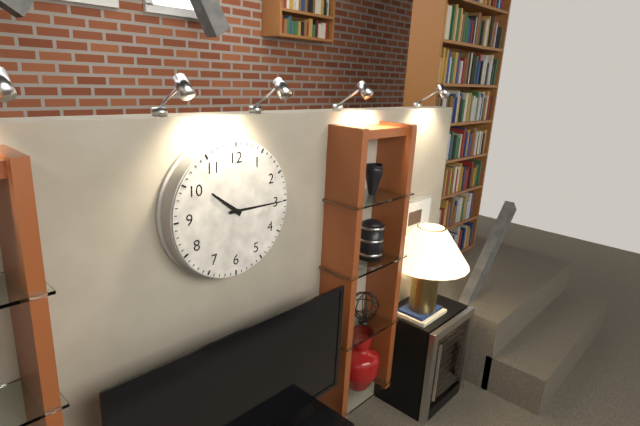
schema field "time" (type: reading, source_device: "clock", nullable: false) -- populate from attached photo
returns 10:15
